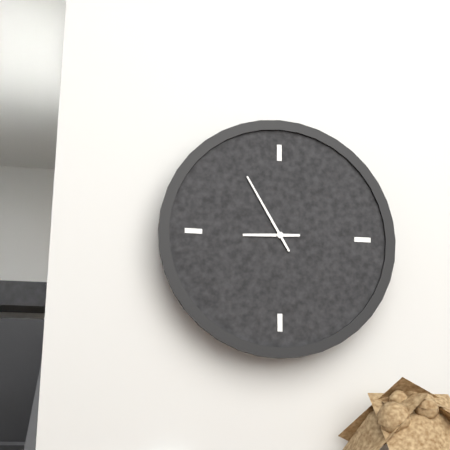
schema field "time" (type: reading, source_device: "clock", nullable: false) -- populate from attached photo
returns 8:55
